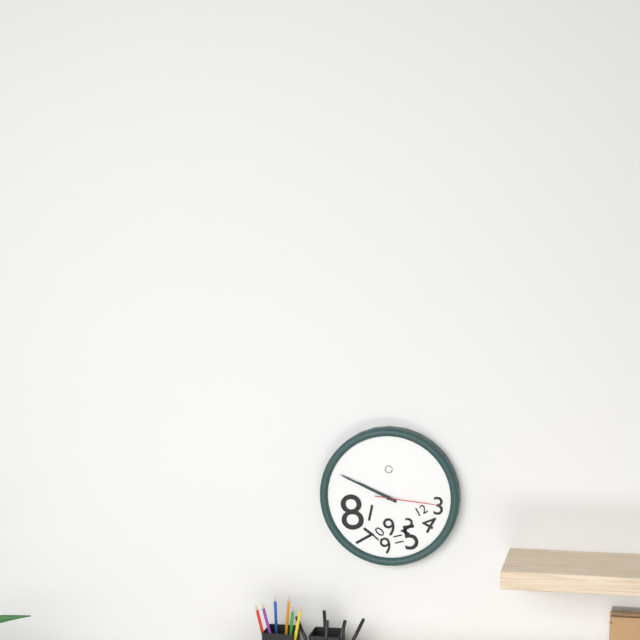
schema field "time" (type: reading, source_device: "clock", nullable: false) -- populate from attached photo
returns 9:49:16
